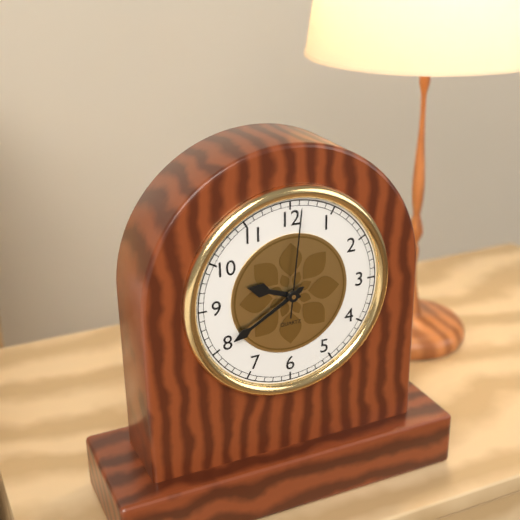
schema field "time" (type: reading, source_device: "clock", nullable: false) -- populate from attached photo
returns 9:40:01
